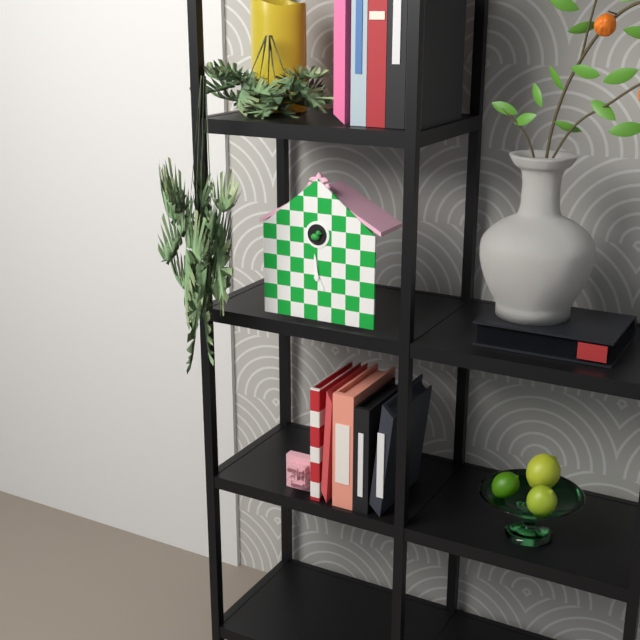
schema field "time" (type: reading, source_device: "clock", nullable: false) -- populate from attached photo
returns 4:59
